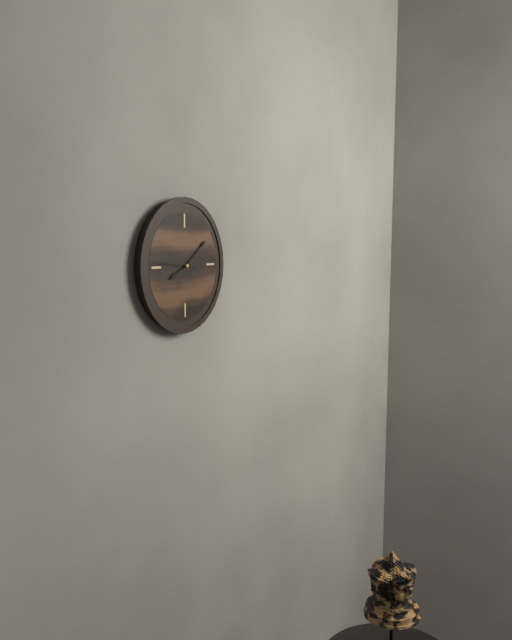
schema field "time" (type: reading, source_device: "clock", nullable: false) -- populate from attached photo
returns 8:09
